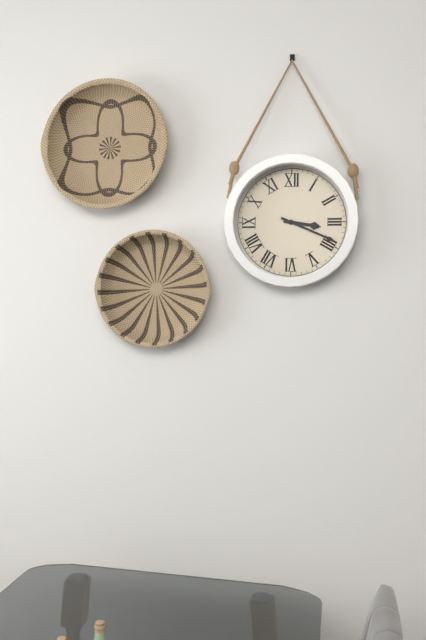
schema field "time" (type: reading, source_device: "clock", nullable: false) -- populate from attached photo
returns 3:19
